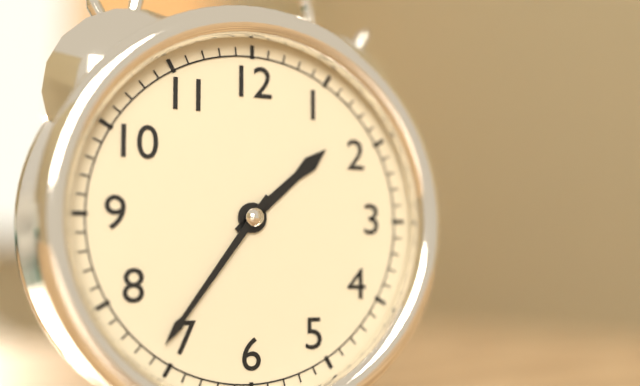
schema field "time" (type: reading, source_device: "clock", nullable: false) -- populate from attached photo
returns 1:36
